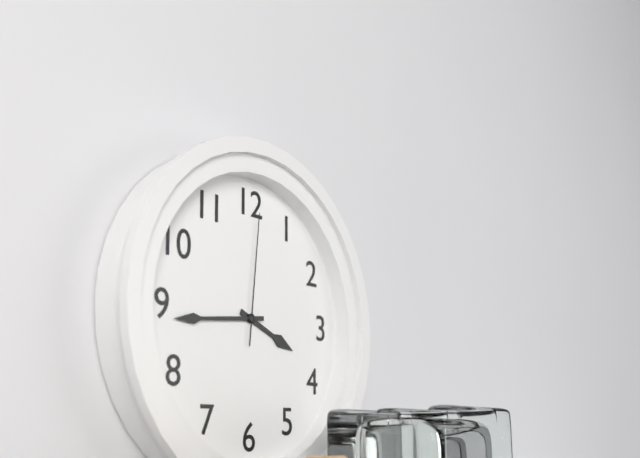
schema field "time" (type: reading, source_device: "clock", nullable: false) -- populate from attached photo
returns 3:44:01
